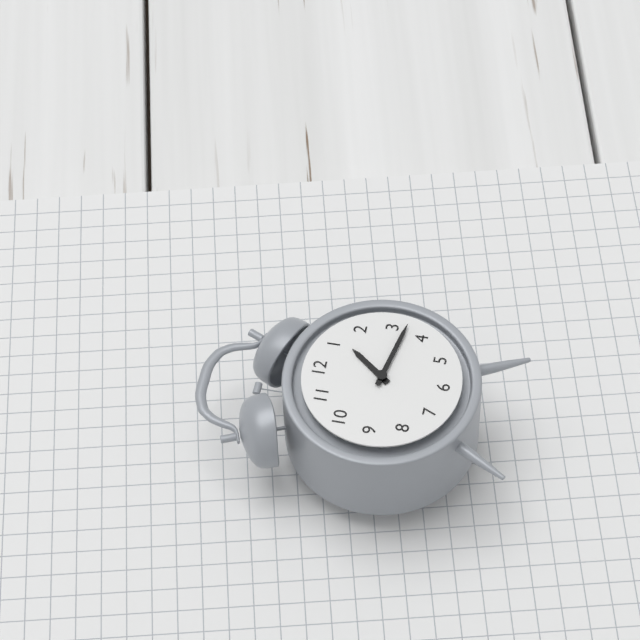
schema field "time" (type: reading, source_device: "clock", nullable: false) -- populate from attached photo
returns 1:17
